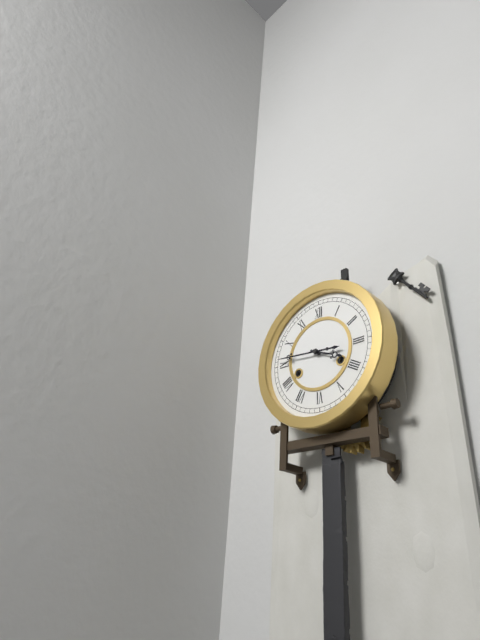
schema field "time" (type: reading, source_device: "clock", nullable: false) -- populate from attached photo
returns 3:46
